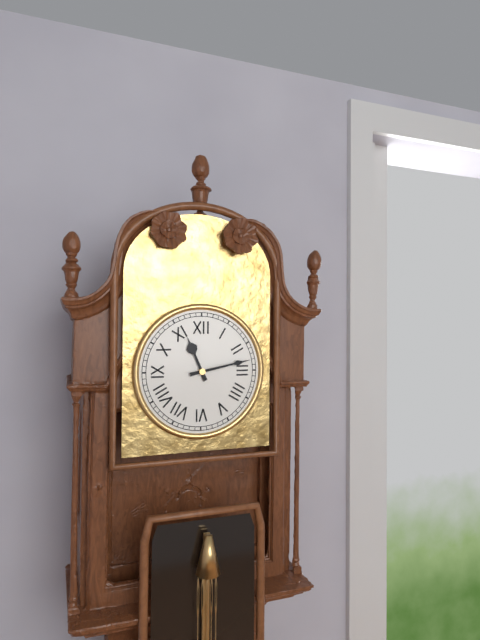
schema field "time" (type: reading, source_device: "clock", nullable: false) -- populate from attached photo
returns 11:13
